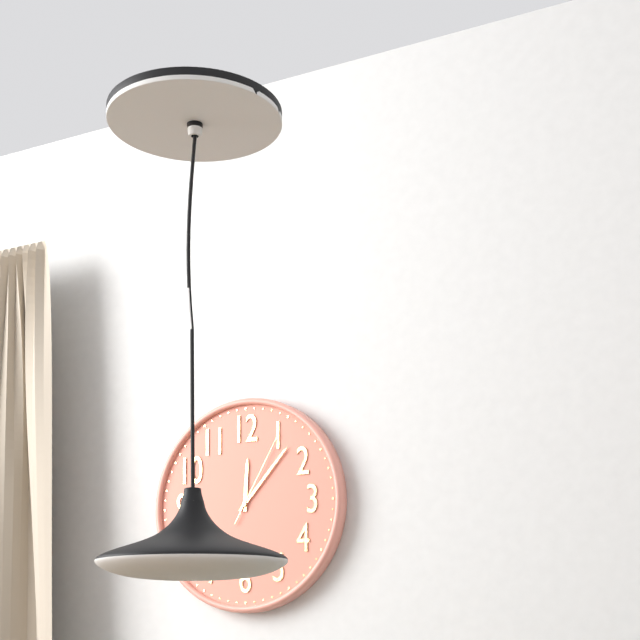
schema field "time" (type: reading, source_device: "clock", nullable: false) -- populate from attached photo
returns 12:07:05
